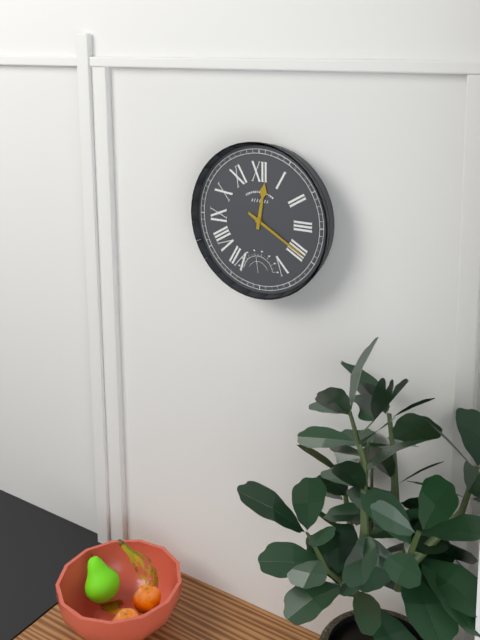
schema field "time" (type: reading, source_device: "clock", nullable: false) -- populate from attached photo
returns 12:20
